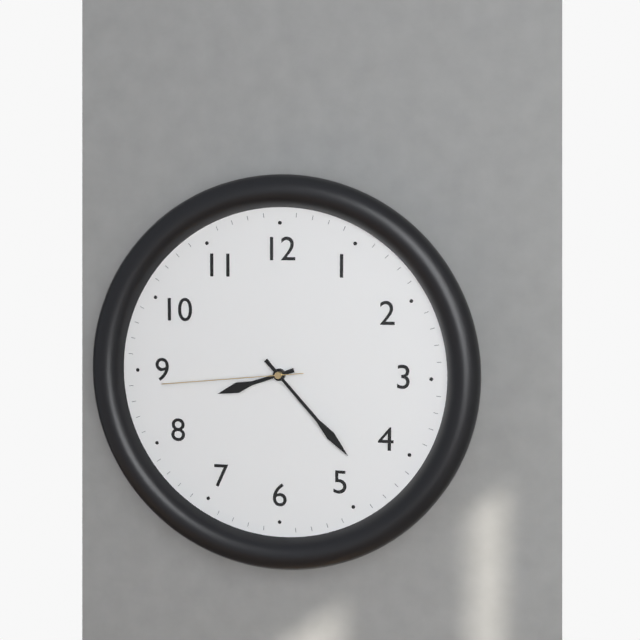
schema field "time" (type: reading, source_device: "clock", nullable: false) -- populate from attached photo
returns 8:23:44
